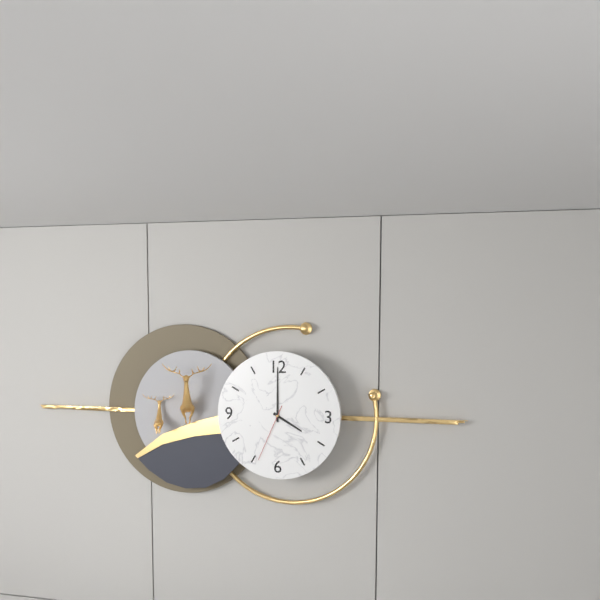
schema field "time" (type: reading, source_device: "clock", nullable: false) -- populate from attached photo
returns 4:00:34
